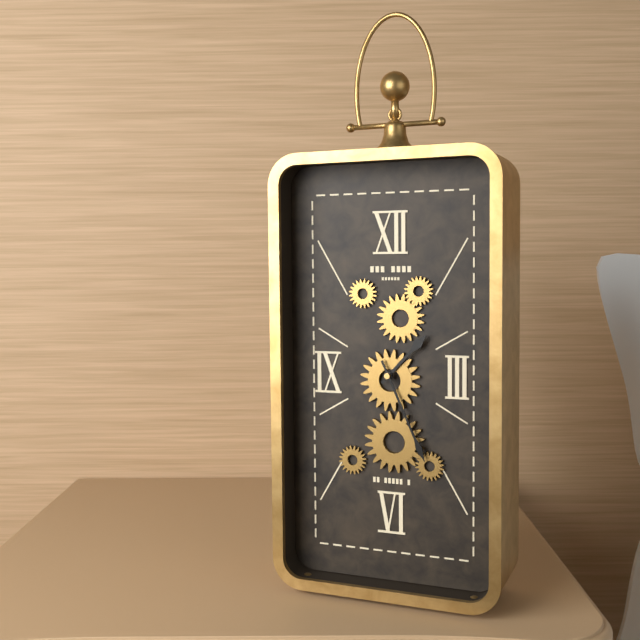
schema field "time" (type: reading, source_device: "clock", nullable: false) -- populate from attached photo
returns 1:26
